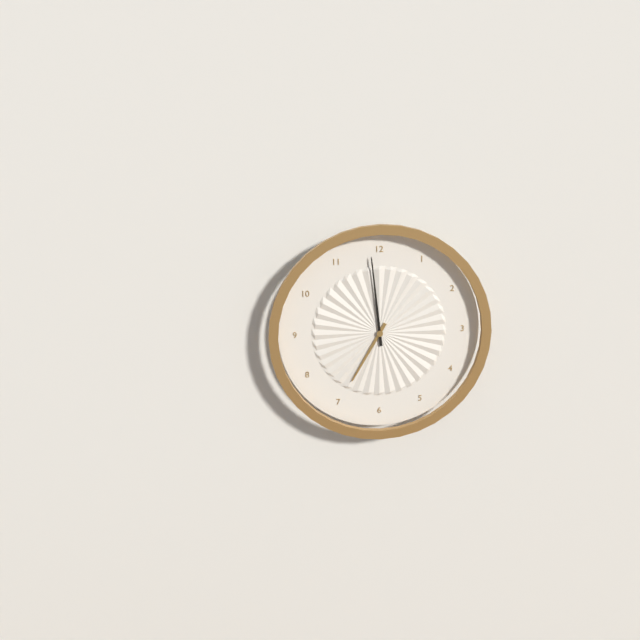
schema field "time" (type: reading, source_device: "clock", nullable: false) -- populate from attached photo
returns 6:59
